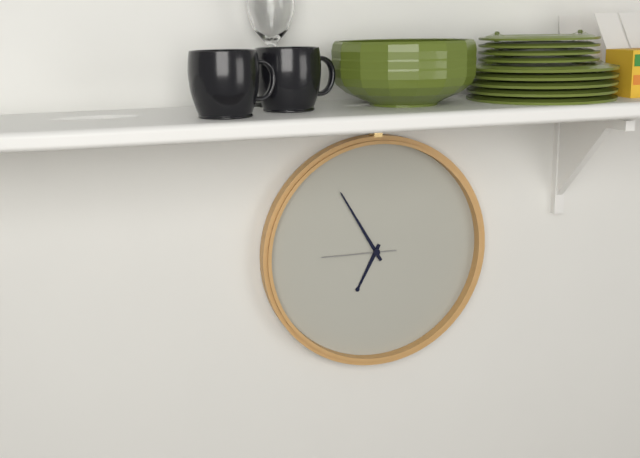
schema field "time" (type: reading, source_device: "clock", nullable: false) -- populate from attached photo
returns 6:55:45
